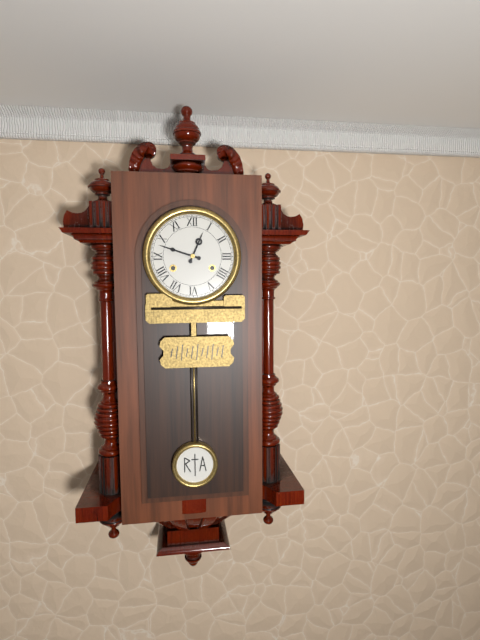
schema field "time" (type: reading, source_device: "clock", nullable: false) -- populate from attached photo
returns 12:48
